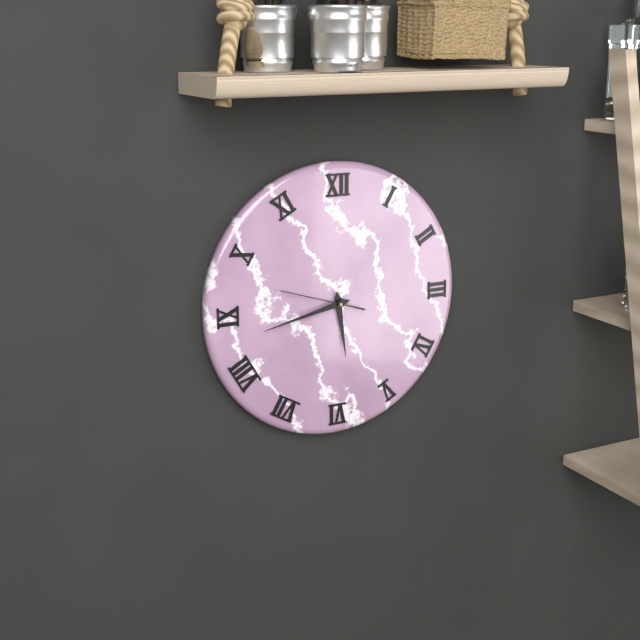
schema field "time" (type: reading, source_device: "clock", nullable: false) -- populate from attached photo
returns 5:43:48
